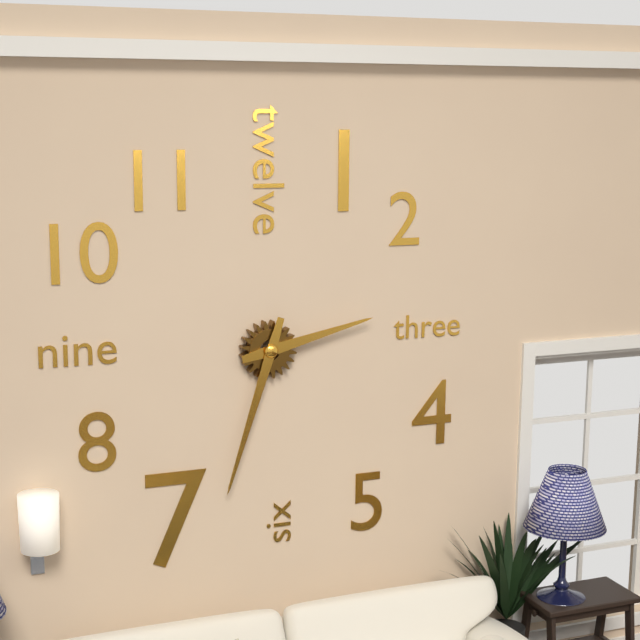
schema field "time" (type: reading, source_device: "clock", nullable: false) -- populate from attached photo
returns 2:33
